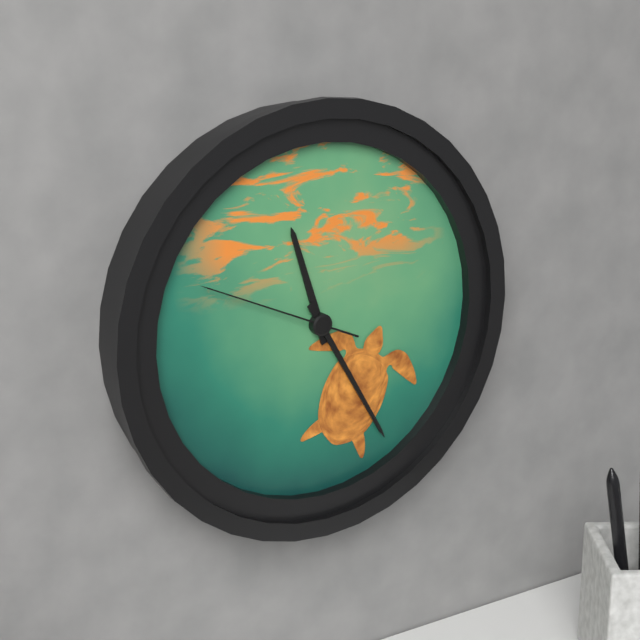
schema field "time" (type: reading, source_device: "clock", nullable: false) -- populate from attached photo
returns 11:25:49
